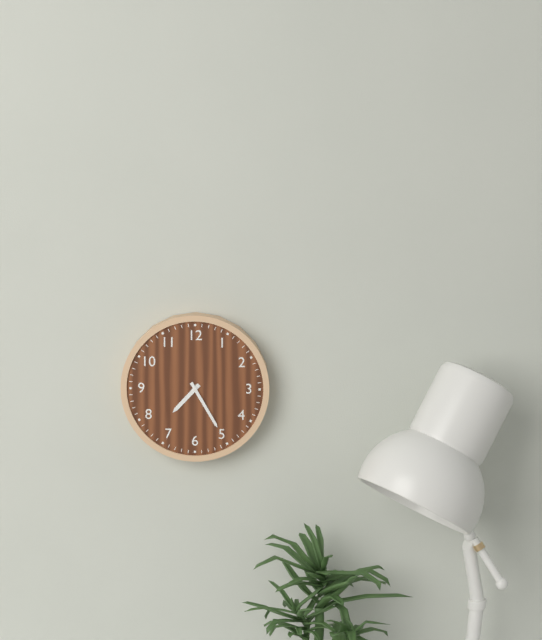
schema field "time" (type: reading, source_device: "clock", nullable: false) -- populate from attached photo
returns 7:25
